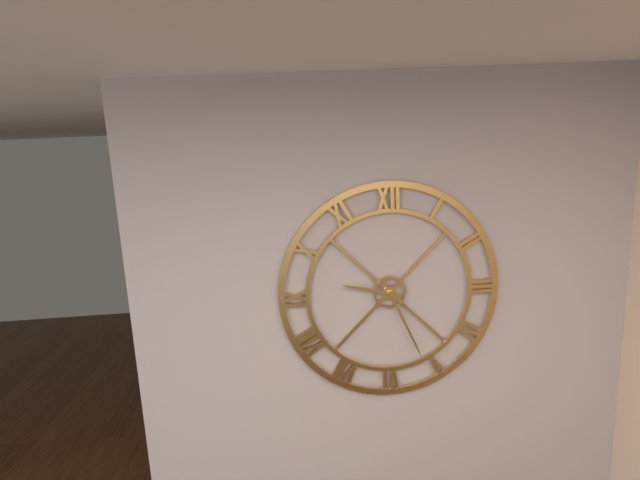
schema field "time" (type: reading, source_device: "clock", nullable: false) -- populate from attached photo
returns 9:26
